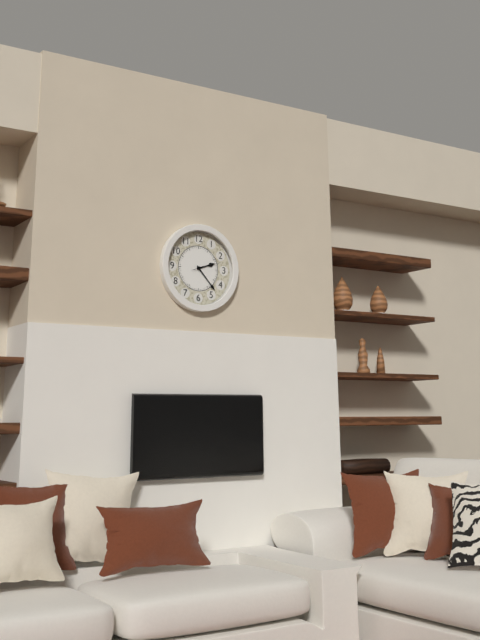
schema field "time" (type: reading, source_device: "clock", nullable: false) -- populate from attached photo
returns 2:23
